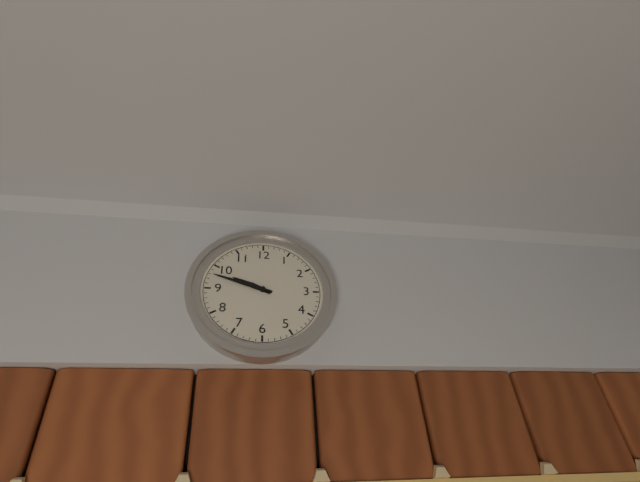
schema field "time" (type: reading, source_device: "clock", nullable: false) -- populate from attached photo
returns 9:48
